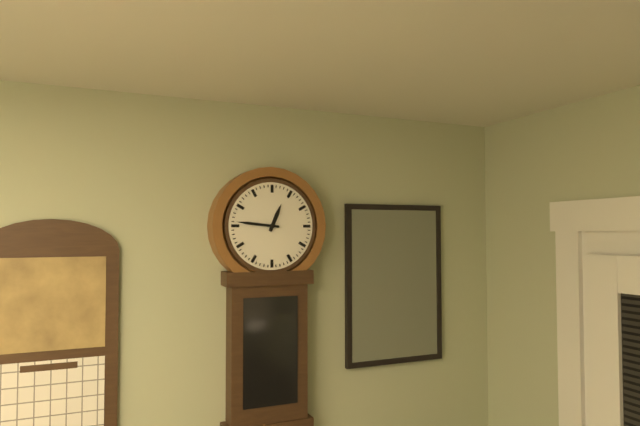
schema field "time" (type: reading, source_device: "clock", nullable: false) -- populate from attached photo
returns 12:46
